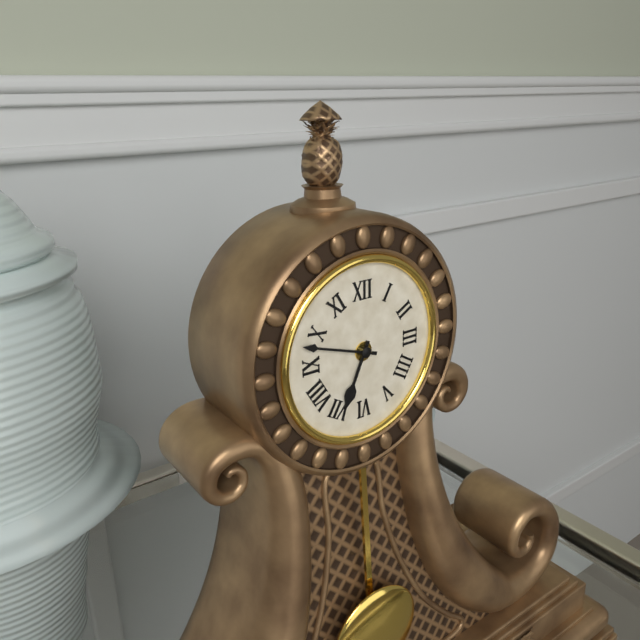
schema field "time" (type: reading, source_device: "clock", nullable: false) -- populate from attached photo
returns 6:48
